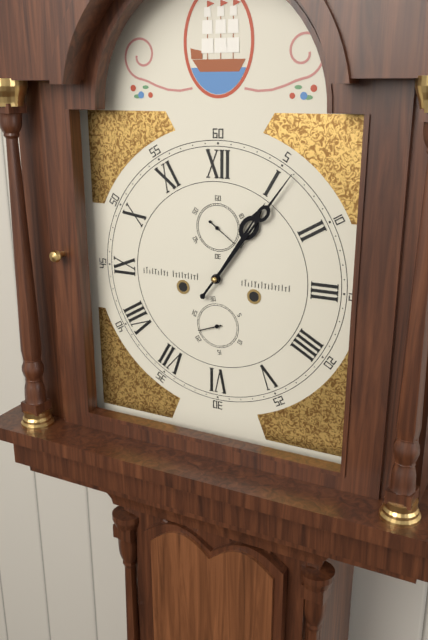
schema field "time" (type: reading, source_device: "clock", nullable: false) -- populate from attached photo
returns 1:06
